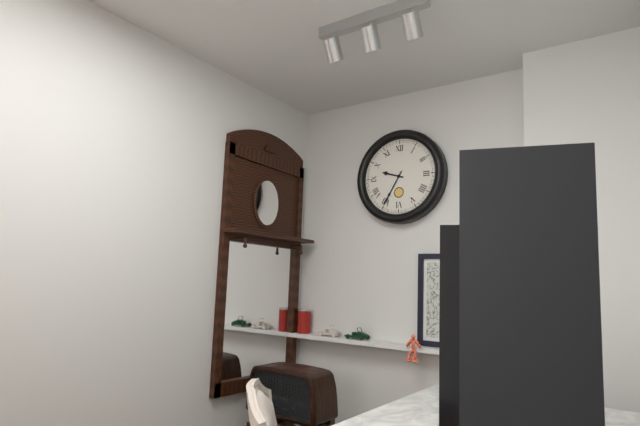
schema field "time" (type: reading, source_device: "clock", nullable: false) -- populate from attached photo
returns 9:35
